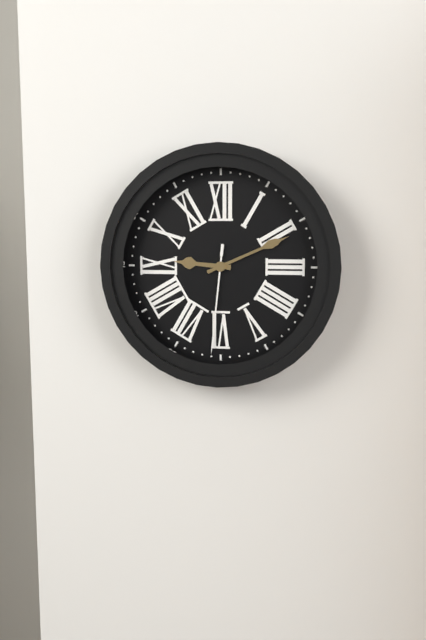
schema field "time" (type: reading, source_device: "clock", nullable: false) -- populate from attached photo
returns 9:11:31
